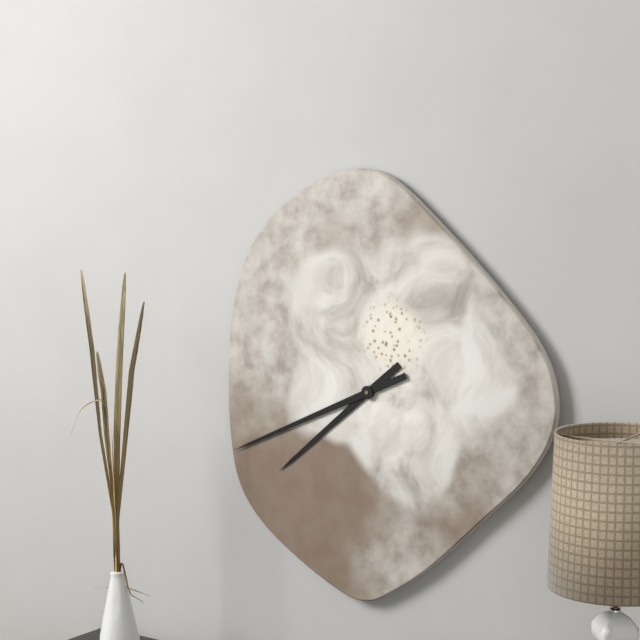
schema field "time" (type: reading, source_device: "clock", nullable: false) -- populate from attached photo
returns 7:41
